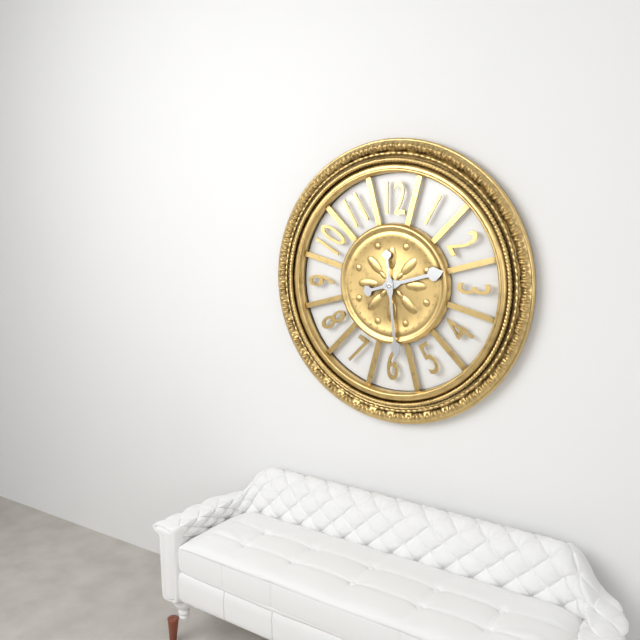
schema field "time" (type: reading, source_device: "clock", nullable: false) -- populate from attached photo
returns 2:29
